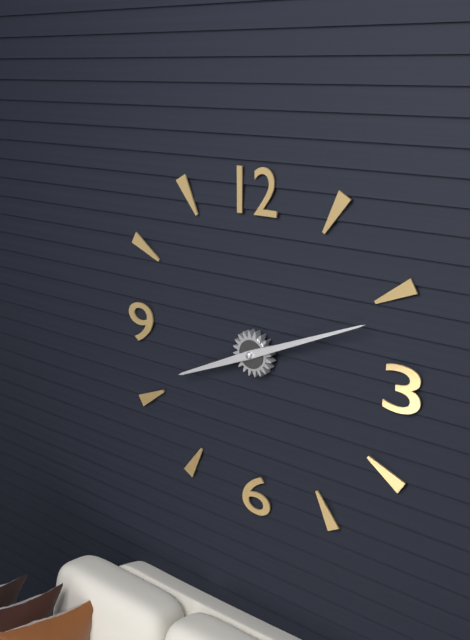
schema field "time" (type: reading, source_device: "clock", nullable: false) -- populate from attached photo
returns 8:11
